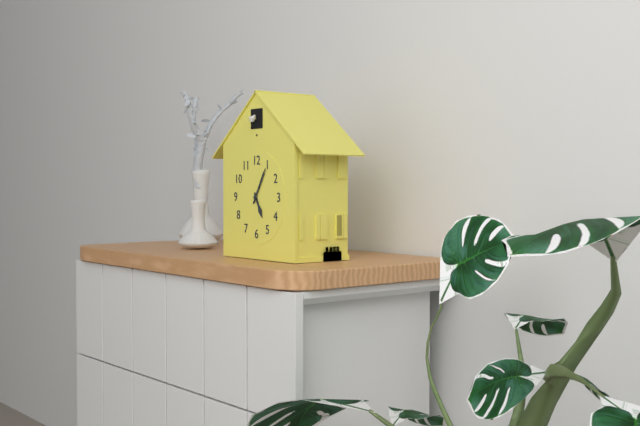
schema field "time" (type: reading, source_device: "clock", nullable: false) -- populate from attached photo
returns 5:05
